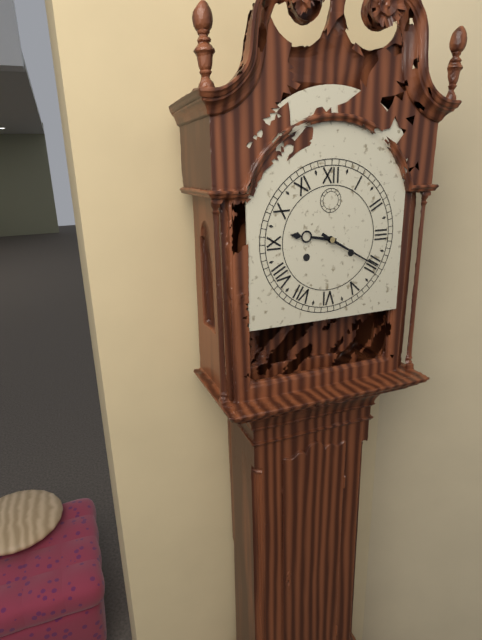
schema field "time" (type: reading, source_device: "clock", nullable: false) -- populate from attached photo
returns 9:20
